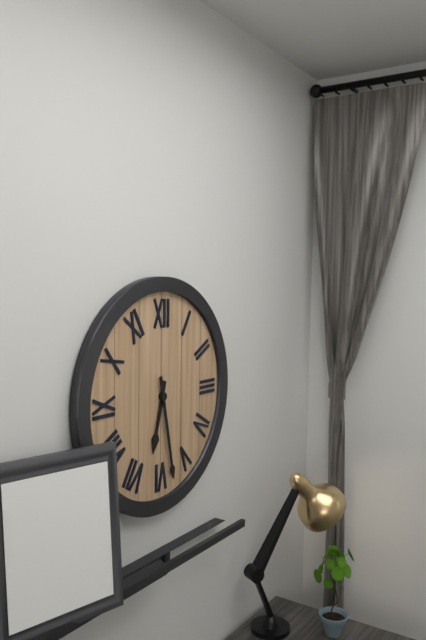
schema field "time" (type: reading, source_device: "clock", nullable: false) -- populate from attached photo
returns 6:28
